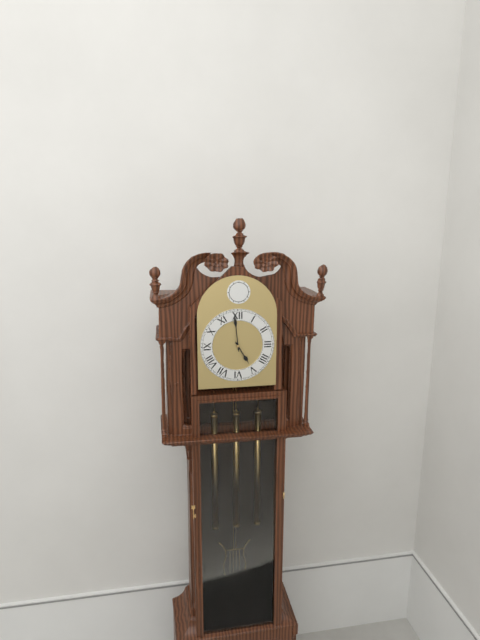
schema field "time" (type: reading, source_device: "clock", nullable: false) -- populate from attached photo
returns 4:59
